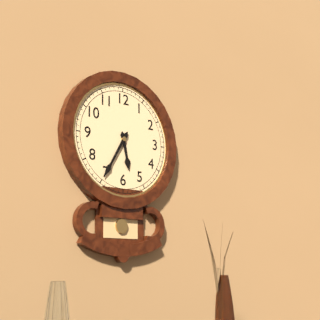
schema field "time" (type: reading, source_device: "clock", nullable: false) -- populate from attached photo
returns 5:35
